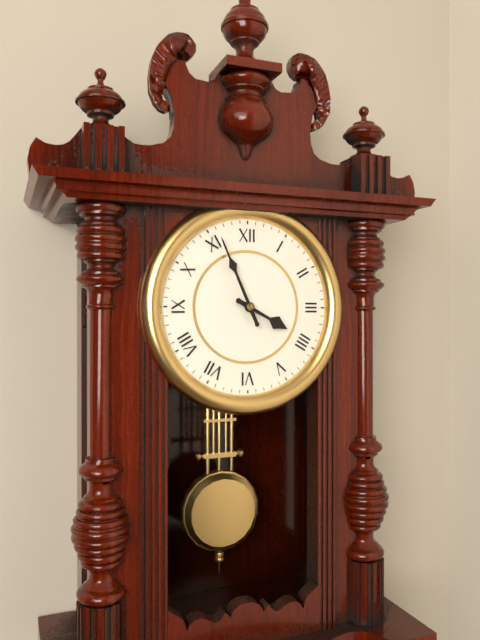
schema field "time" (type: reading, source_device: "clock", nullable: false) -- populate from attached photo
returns 3:56
